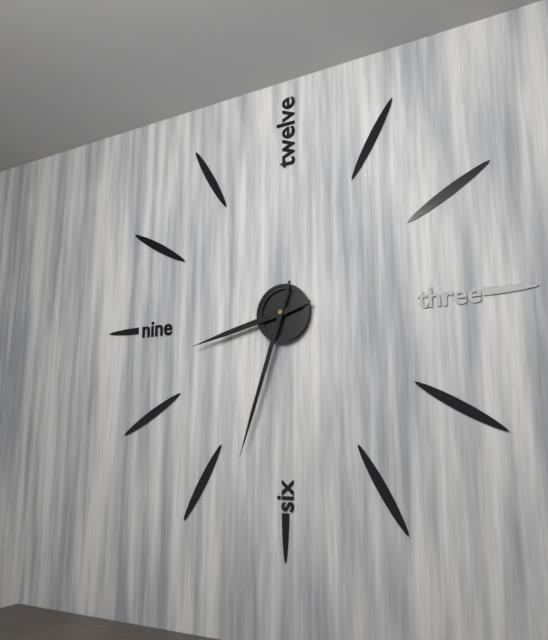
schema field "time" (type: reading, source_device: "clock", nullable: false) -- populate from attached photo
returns 8:33
